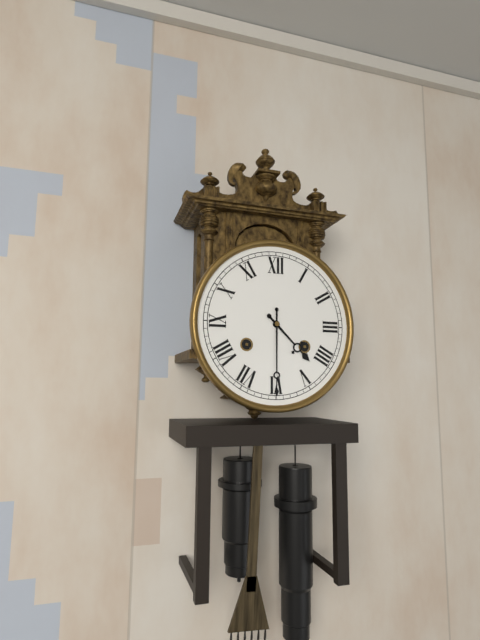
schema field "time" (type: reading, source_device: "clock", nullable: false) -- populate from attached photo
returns 4:30
